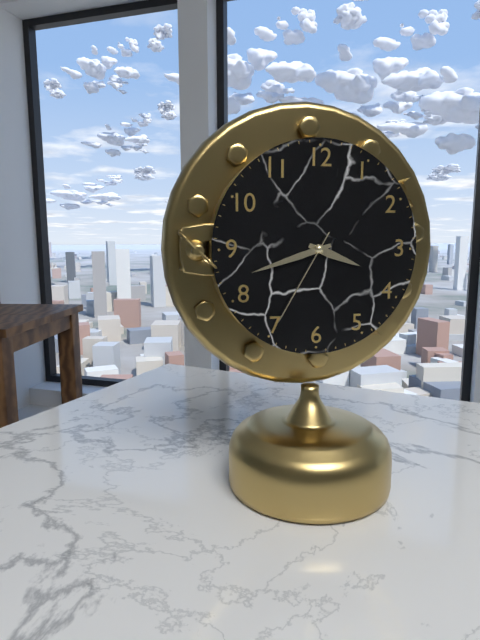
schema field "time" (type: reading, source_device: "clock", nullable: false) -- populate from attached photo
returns 3:42:35
